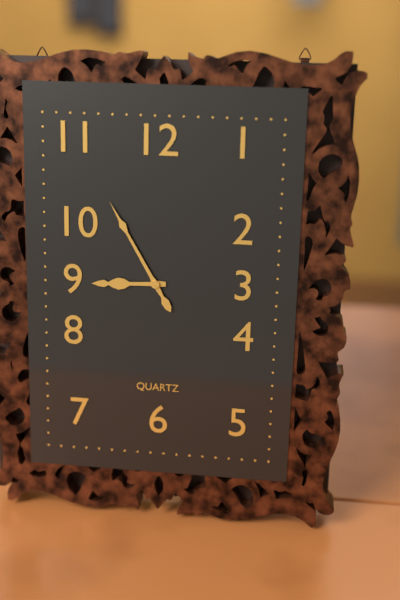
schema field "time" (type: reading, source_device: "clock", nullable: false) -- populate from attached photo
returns 8:55
